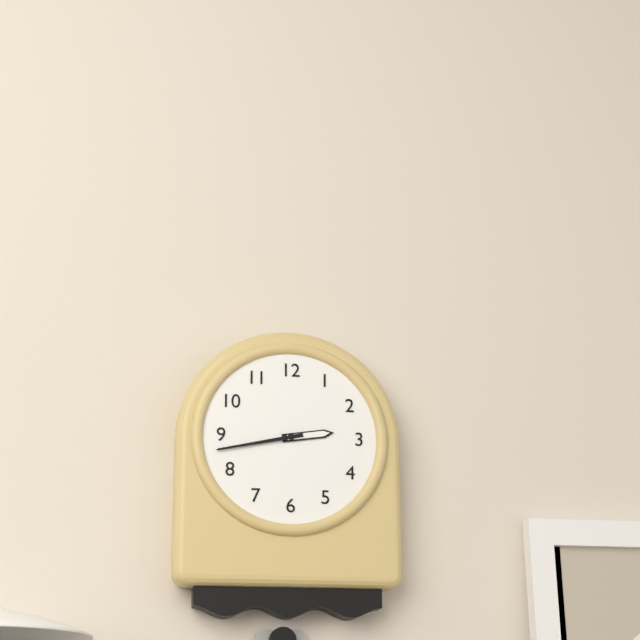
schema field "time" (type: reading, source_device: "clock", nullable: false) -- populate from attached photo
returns 2:43
